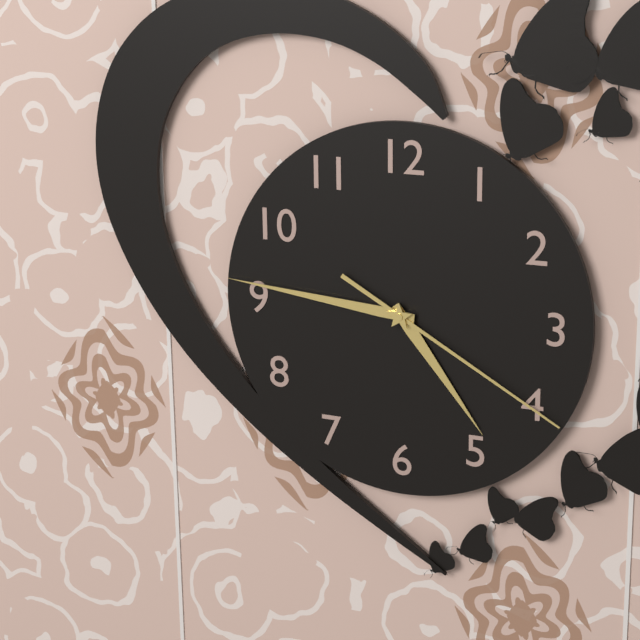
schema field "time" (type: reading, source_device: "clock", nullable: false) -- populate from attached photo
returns 4:46:20
